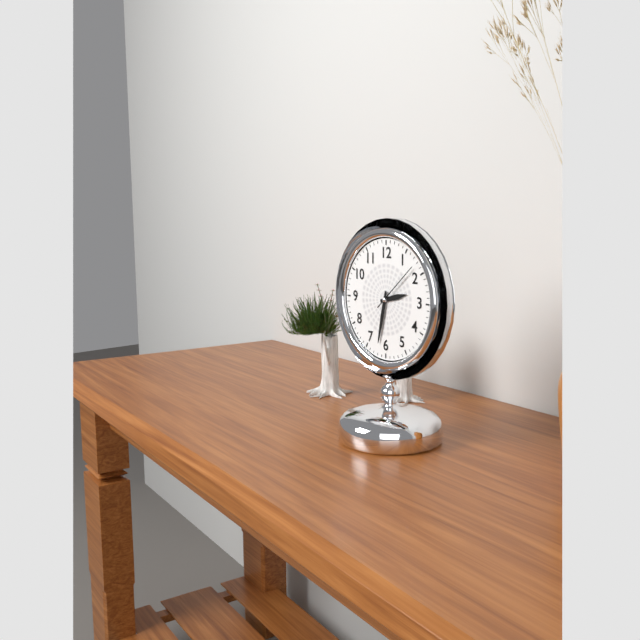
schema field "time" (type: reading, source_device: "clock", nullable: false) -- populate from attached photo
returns 2:32:08
